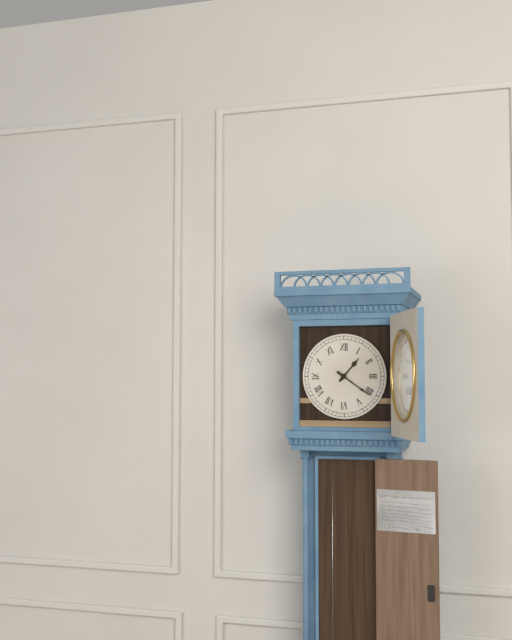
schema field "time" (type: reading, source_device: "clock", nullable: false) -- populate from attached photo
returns 1:21
